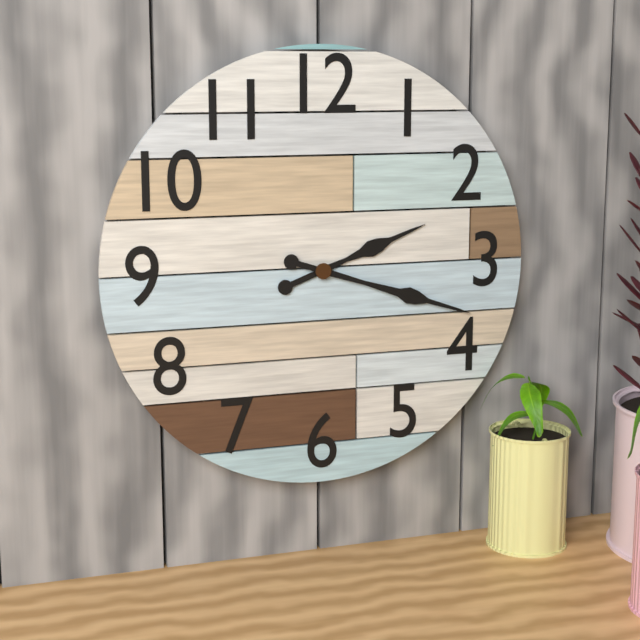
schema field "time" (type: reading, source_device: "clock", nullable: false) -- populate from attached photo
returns 2:18
